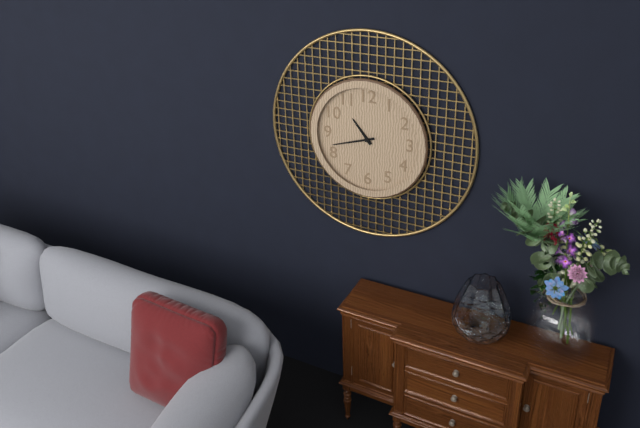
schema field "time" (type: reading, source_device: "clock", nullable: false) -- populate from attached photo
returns 10:42
